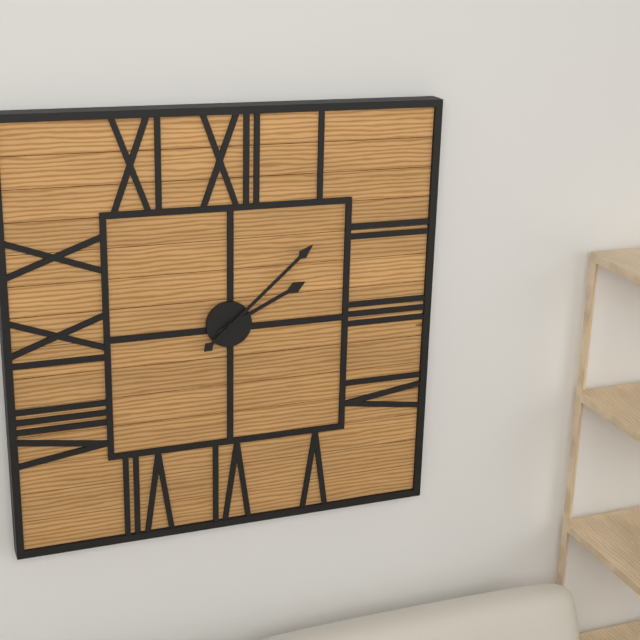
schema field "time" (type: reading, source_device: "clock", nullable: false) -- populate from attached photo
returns 2:08
